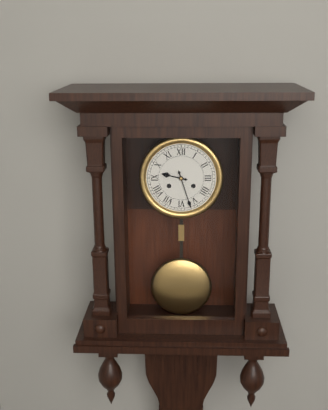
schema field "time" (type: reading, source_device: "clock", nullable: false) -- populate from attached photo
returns 9:27
